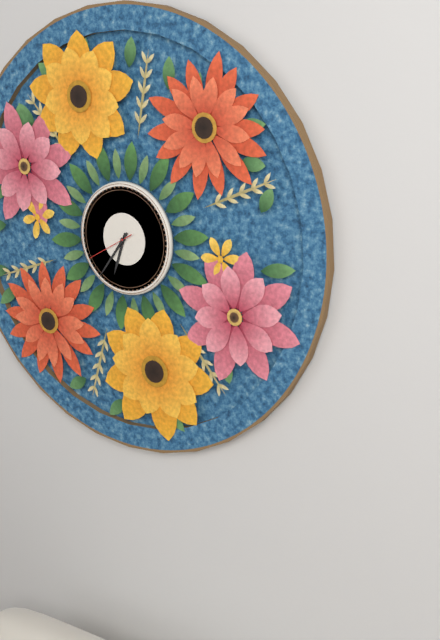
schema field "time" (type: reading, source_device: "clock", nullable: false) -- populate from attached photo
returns 6:36:40
